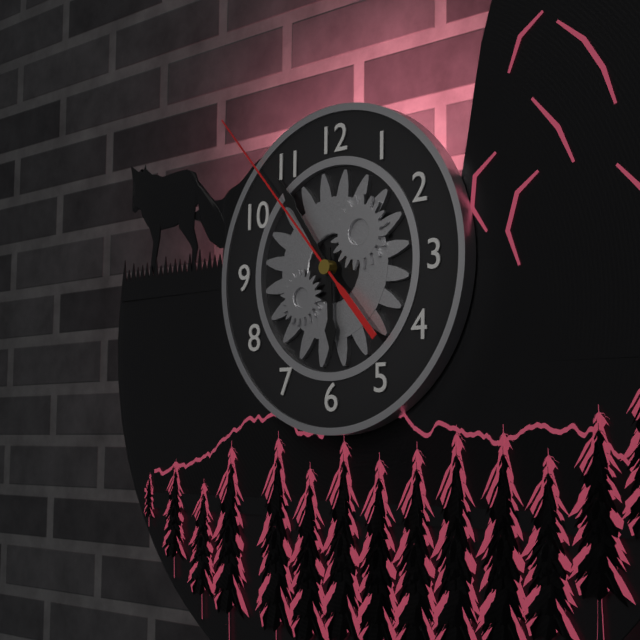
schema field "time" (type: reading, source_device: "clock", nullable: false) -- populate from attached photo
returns 5:54:53
